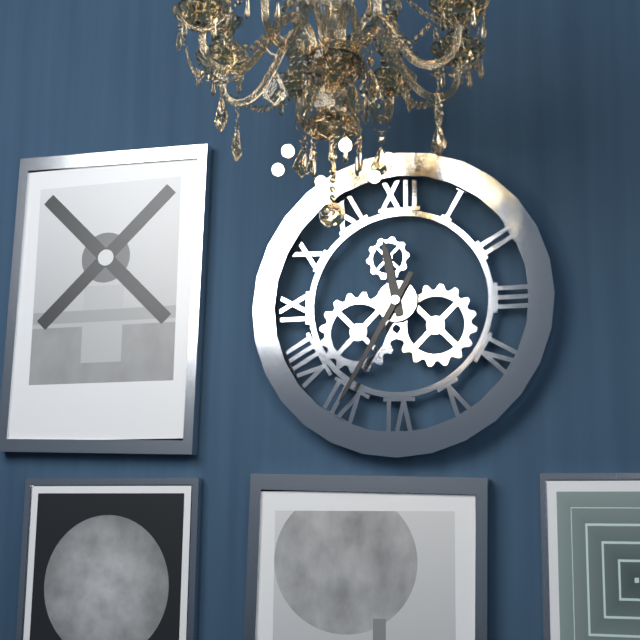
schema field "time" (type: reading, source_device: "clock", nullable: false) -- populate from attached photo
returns 11:35
